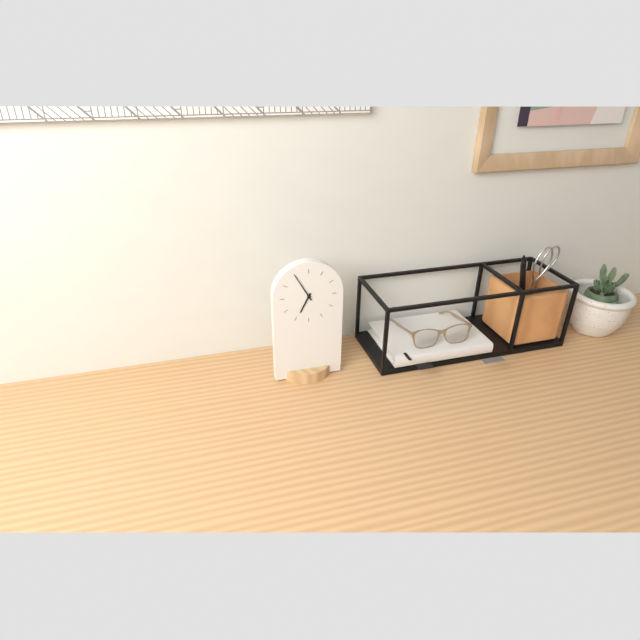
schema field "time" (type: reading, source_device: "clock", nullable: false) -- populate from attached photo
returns 6:55
